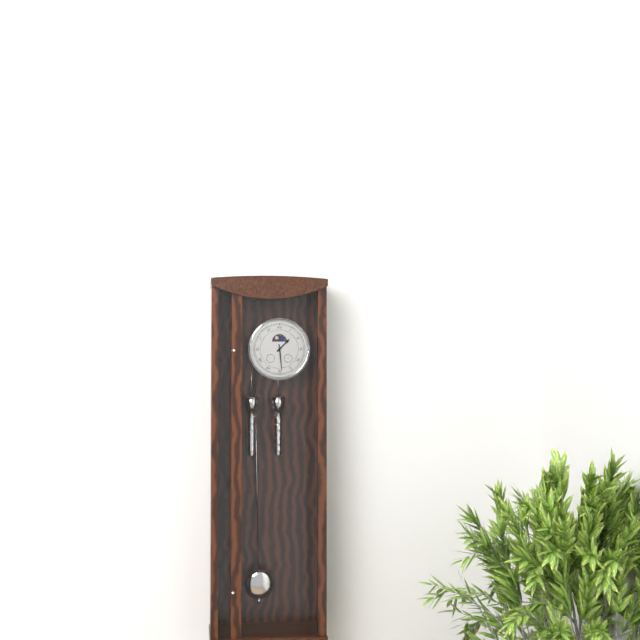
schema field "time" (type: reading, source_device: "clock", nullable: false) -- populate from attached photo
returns 1:29
